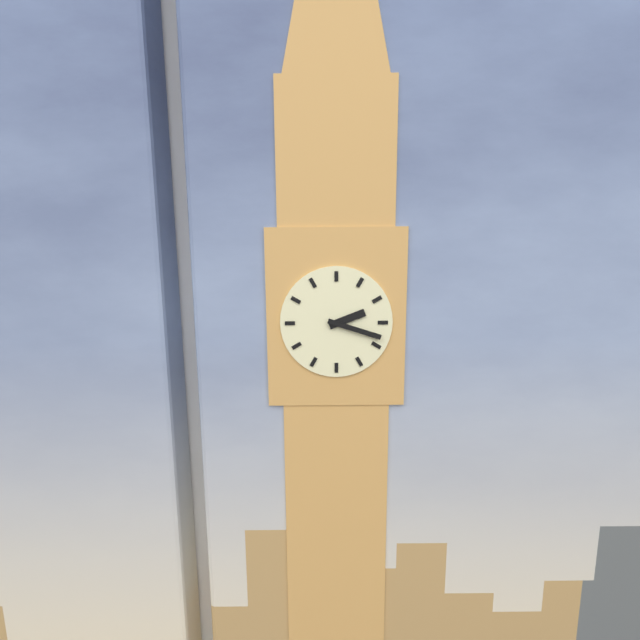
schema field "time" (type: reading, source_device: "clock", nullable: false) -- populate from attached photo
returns 2:18
